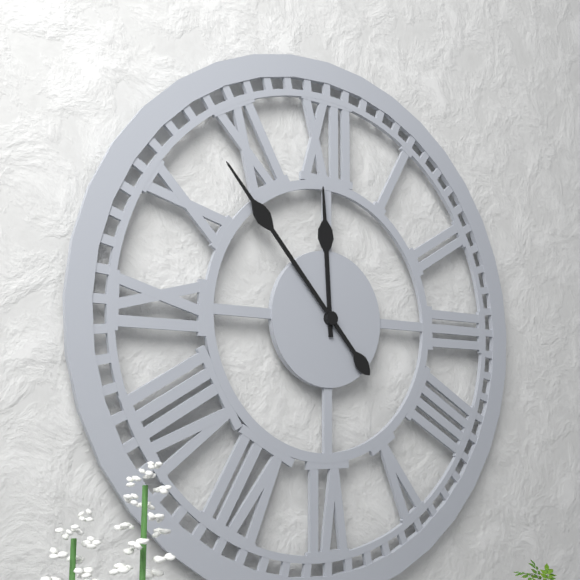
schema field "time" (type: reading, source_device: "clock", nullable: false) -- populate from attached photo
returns 11:53
